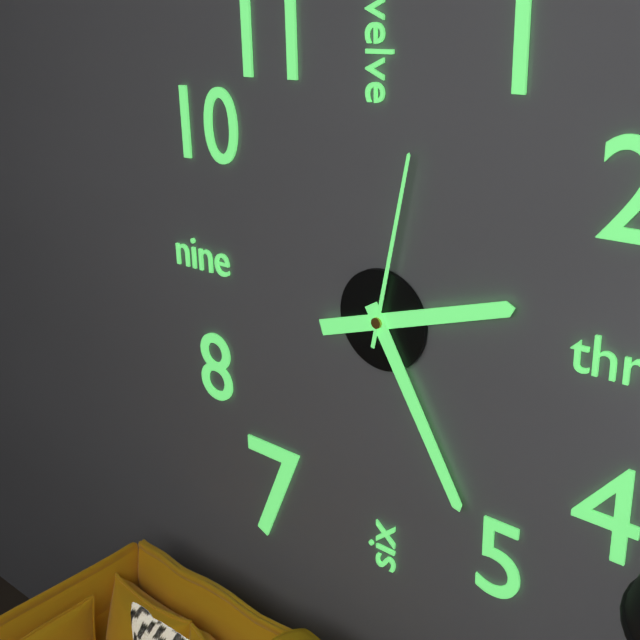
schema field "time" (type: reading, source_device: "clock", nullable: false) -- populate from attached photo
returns 2:25:02
